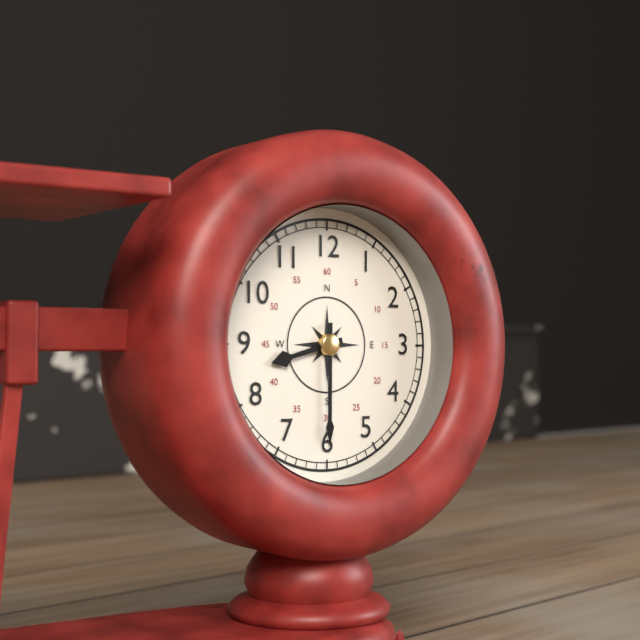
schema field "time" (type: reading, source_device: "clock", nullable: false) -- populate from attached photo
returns 8:30
